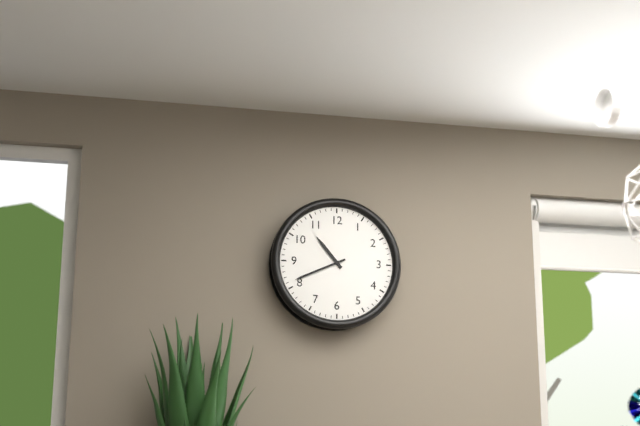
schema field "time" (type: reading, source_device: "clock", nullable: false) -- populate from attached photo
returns 10:41
